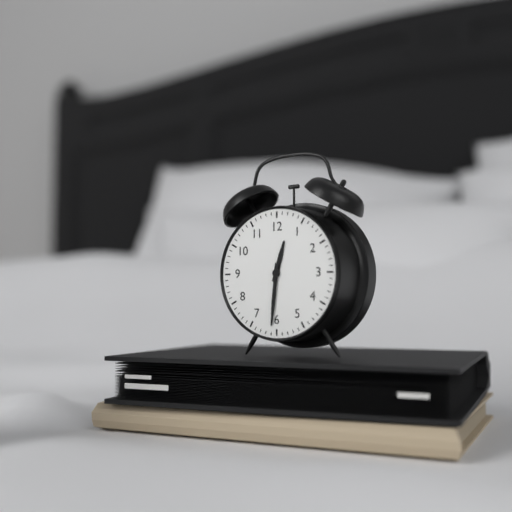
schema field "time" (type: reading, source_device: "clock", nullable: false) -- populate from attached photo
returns 12:31
